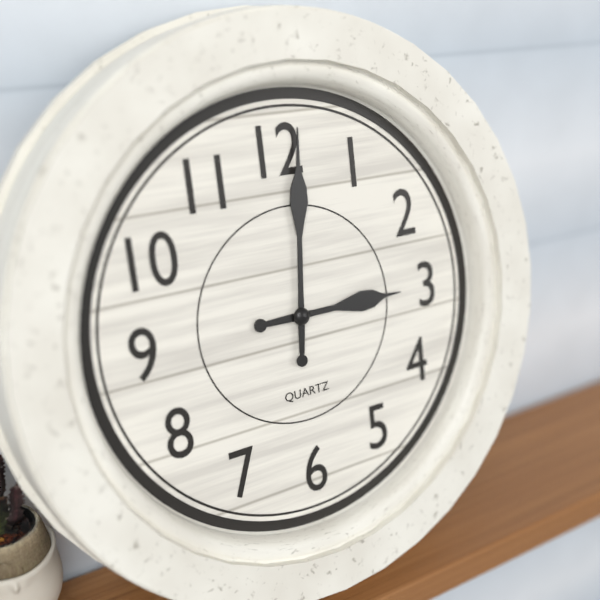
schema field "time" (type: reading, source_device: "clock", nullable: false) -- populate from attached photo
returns 3:01
